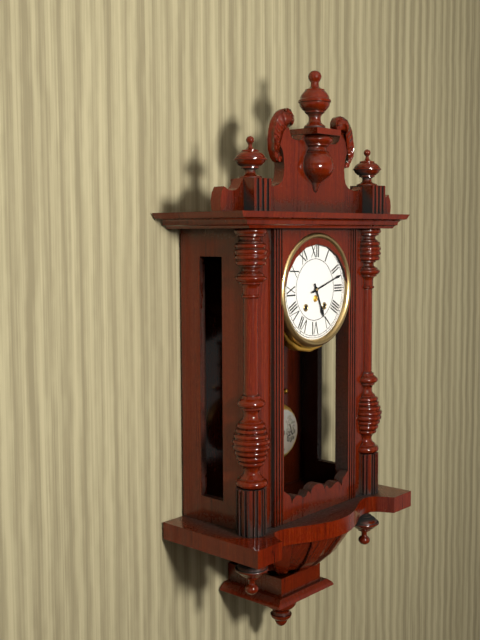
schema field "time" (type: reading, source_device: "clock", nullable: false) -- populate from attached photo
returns 5:12
